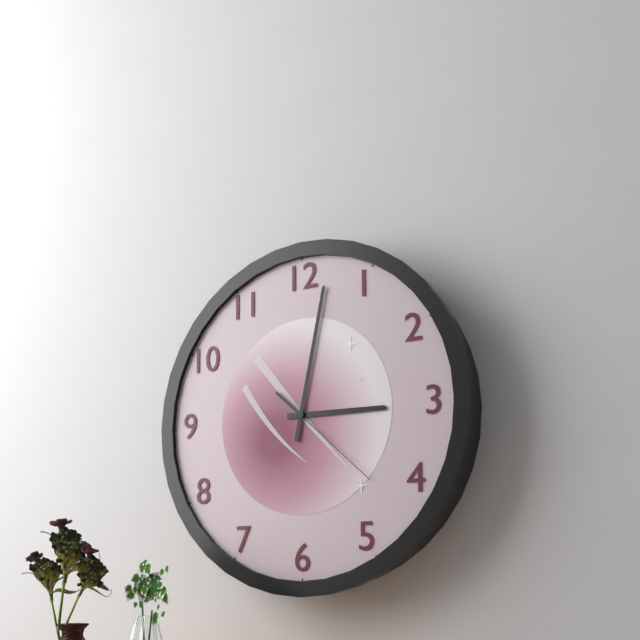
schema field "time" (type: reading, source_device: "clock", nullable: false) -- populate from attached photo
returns 3:02:22
